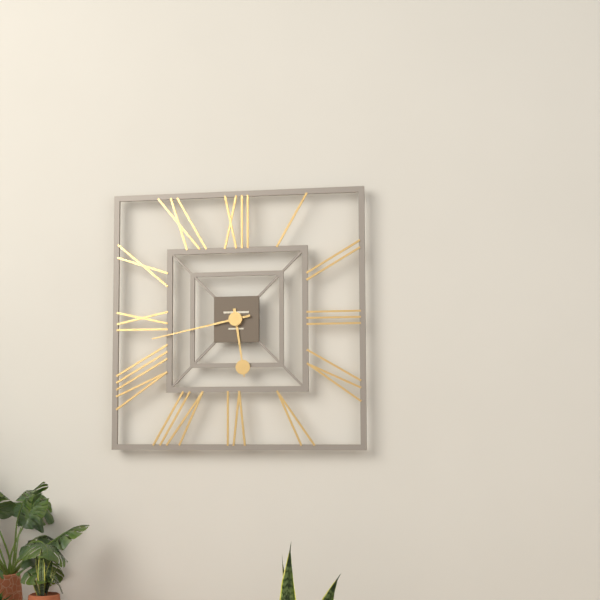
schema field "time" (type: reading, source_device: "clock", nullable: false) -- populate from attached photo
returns 5:43
